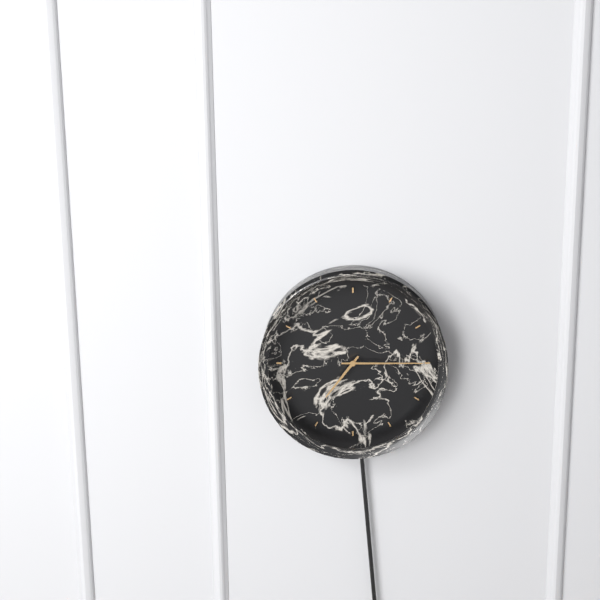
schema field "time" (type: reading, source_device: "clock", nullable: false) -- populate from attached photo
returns 7:15
